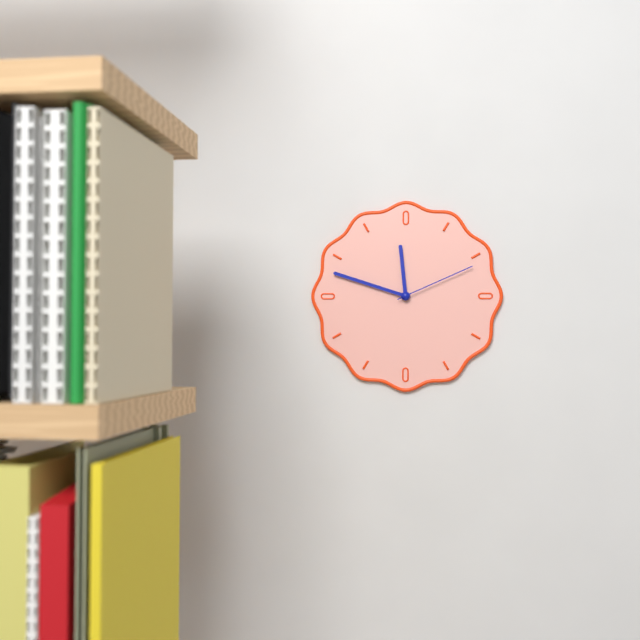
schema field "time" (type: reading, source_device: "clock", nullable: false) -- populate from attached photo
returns 11:48:11
